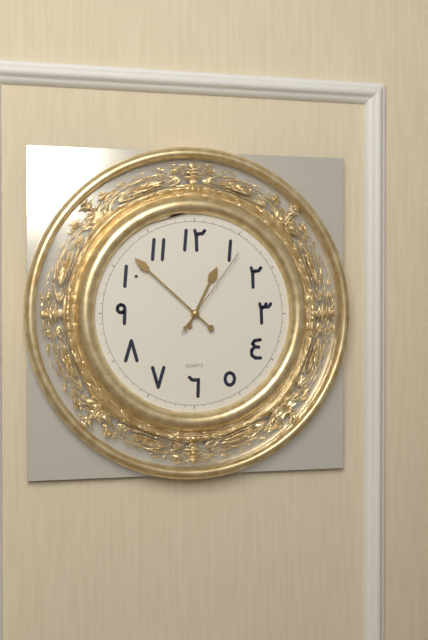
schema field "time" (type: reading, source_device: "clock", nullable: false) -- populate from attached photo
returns 12:52:06
